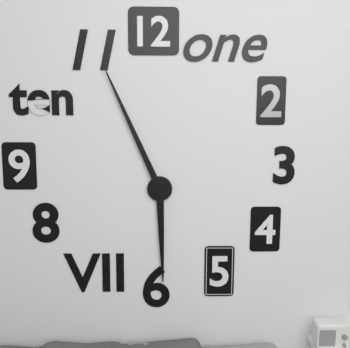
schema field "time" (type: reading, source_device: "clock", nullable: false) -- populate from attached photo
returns 5:56
